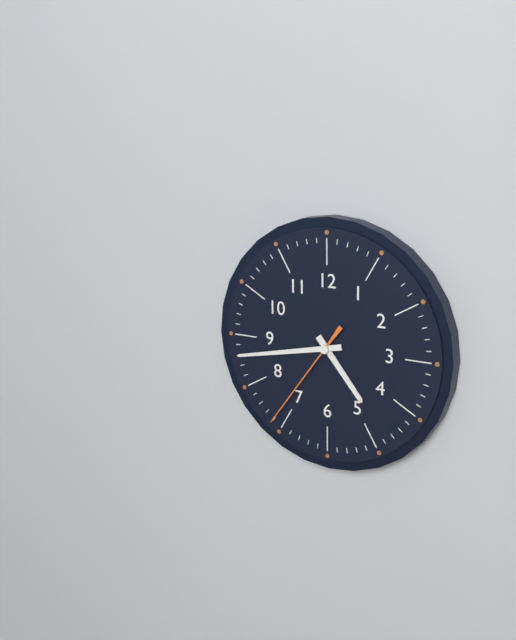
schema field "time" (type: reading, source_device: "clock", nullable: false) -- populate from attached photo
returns 4:43:36
